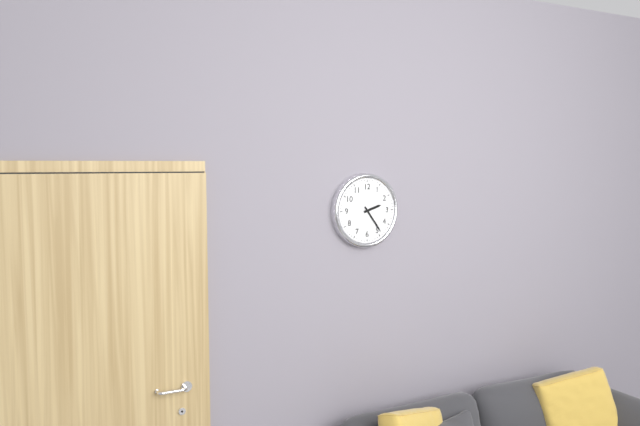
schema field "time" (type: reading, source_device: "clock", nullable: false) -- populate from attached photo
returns 2:24
